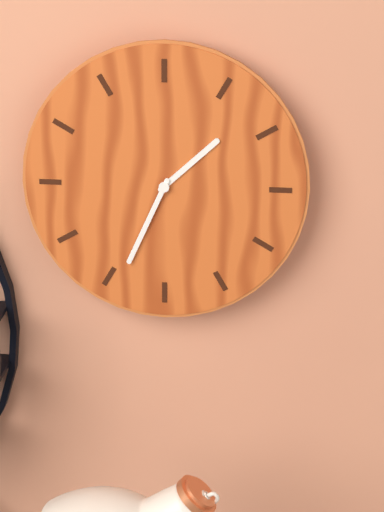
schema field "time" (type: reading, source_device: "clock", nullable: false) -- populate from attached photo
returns 1:34
